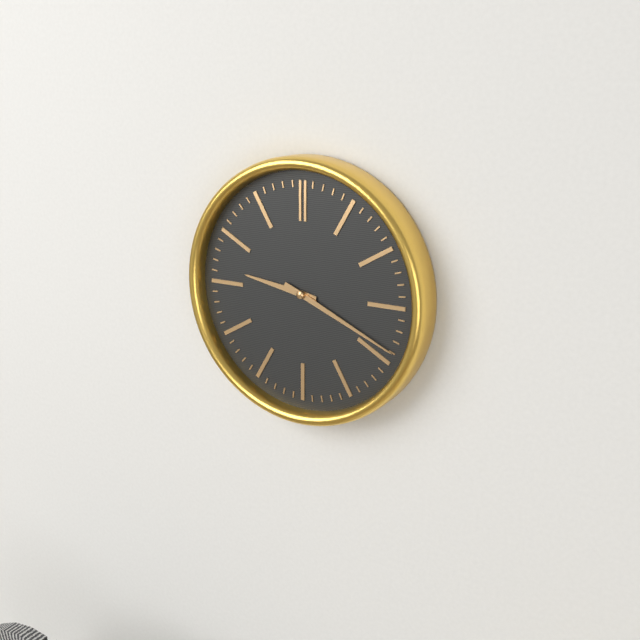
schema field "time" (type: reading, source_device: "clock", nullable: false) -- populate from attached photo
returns 9:19
